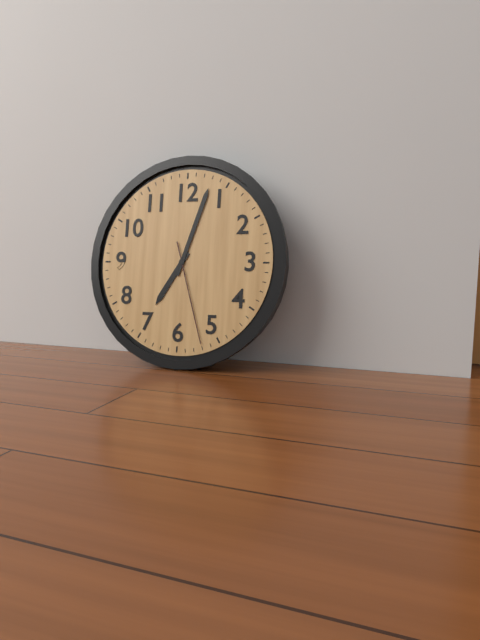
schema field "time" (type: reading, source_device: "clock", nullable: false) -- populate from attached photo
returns 7:03:27
